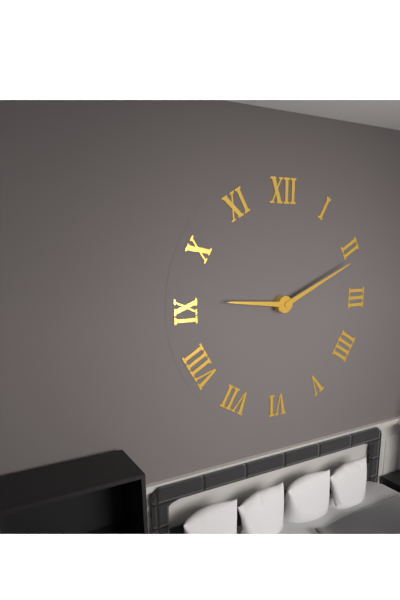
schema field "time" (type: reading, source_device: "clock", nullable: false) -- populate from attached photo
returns 9:11
